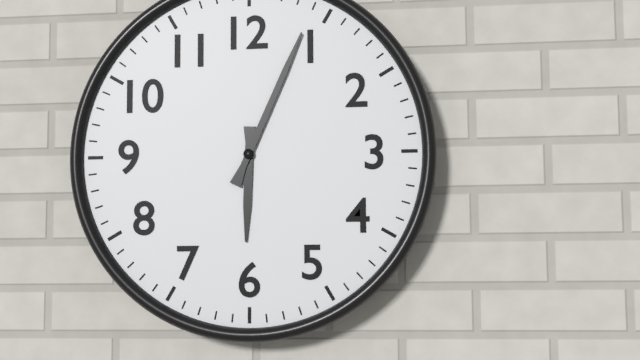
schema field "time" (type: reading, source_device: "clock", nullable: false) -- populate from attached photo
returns 6:04
